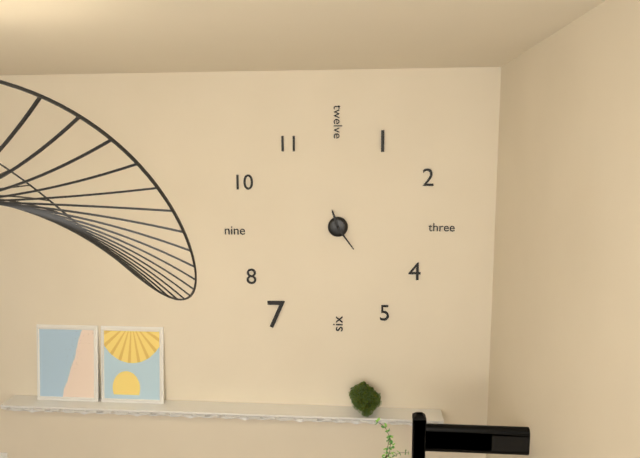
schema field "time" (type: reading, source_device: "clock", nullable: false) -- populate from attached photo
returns 11:24
